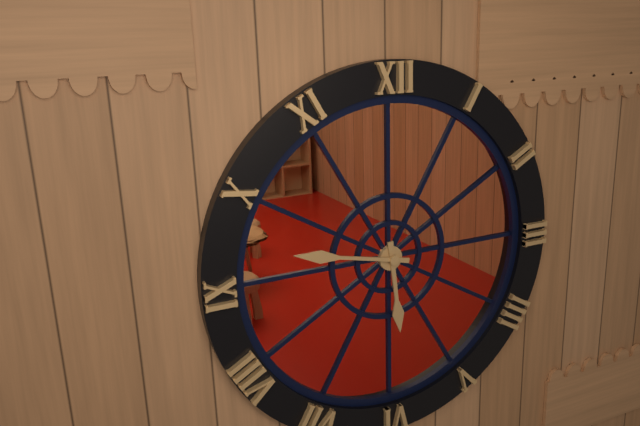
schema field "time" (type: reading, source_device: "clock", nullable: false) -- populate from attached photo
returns 5:47
